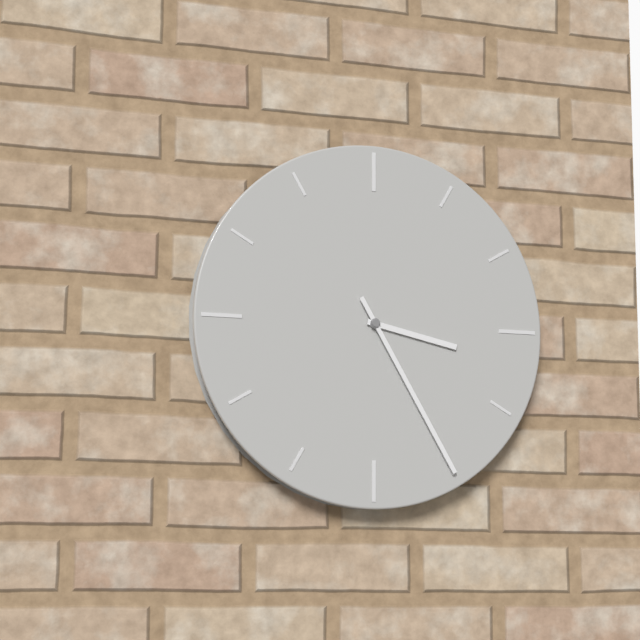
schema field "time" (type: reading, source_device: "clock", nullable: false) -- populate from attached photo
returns 3:25
